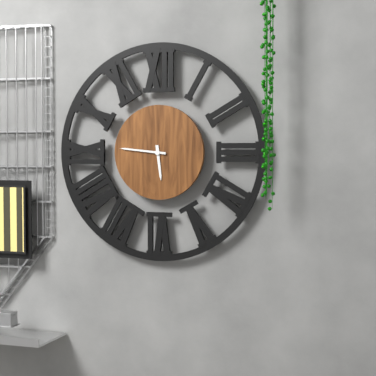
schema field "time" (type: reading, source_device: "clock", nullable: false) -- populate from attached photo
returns 5:46
